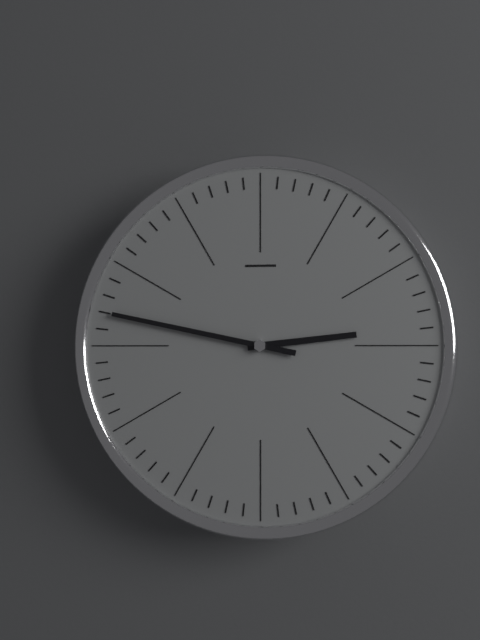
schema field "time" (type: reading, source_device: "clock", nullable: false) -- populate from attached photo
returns 2:47
